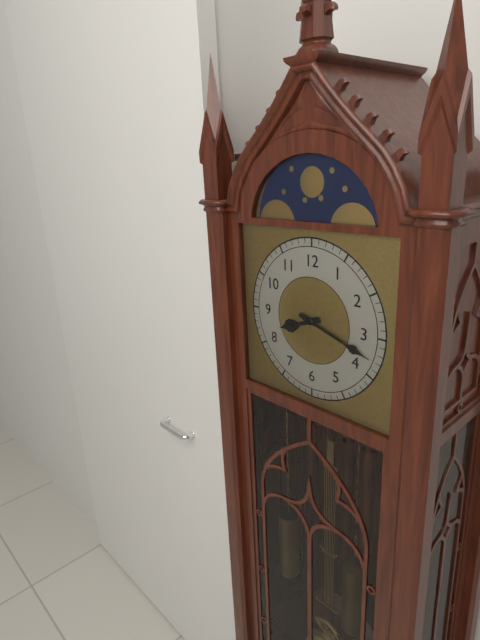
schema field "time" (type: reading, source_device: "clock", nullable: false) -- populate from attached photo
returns 8:18
